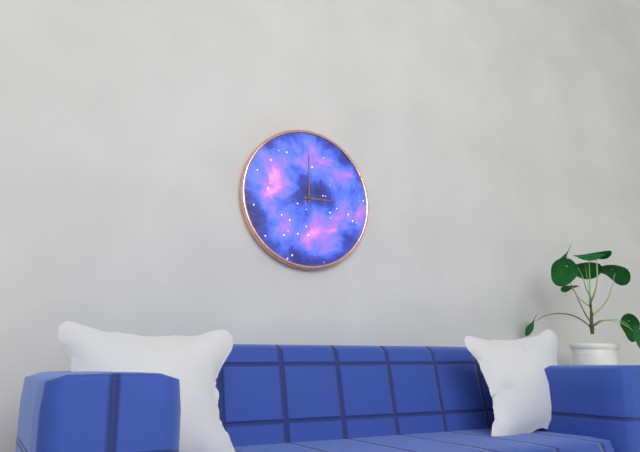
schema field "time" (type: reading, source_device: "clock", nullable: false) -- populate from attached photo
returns 3:00
